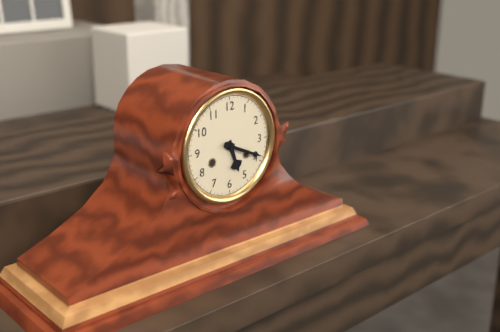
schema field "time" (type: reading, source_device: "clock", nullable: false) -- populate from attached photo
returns 5:19
